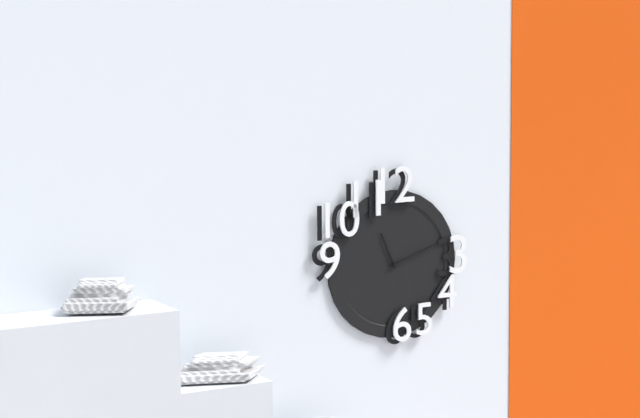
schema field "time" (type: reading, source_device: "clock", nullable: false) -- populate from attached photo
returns 11:12
